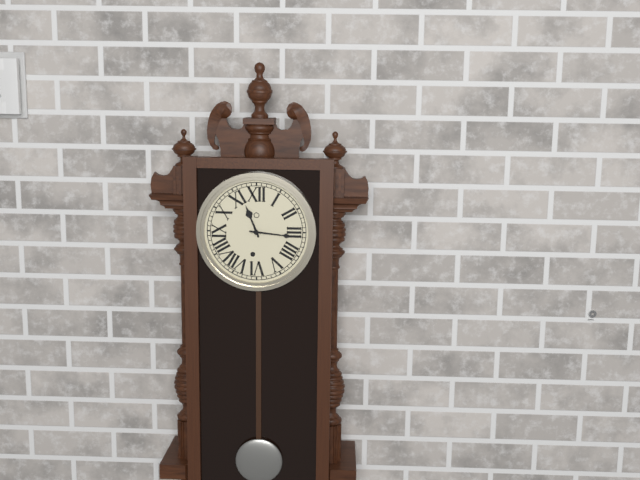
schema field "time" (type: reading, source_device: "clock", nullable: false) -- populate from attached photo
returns 11:16
